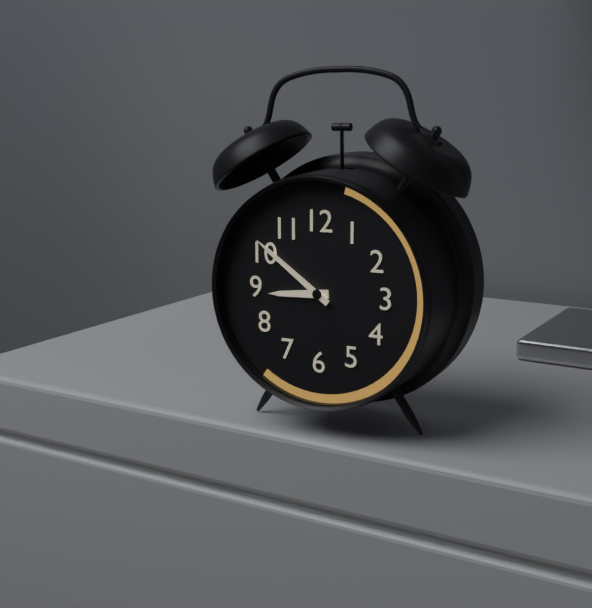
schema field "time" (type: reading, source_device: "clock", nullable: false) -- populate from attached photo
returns 8:51
